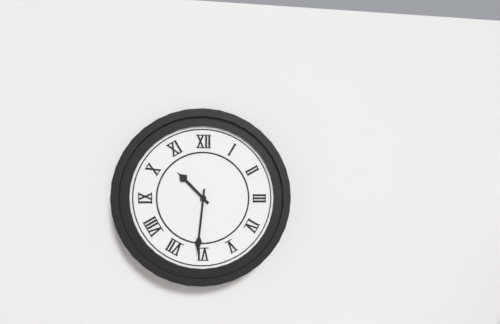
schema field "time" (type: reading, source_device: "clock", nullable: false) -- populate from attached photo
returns 10:31
